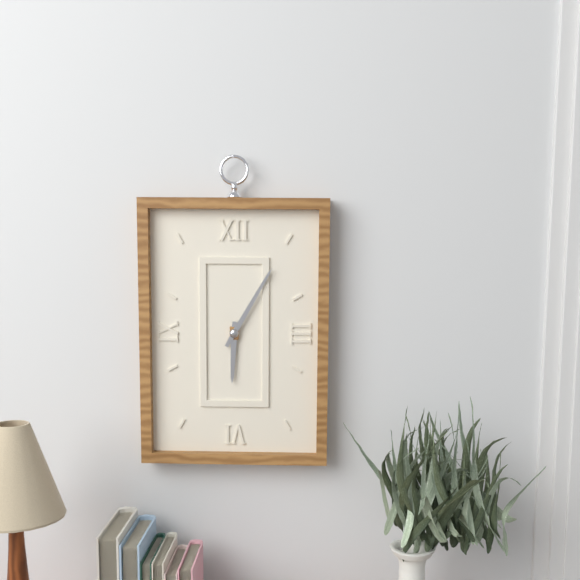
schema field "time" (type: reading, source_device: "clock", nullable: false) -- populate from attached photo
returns 6:05
